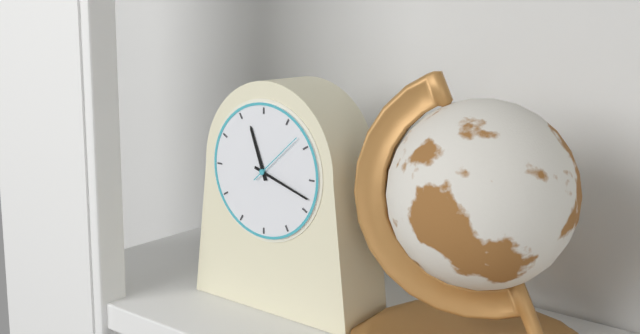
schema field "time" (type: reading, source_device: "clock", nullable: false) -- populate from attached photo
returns 11:18:08
